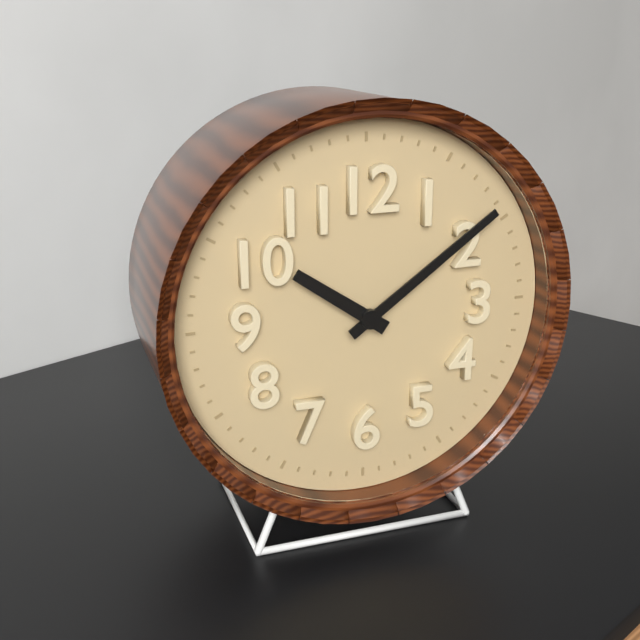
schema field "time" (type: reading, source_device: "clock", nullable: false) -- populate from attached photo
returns 10:09
